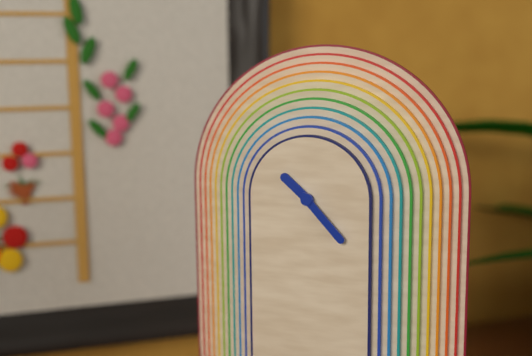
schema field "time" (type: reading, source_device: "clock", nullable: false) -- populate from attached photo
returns 10:23
